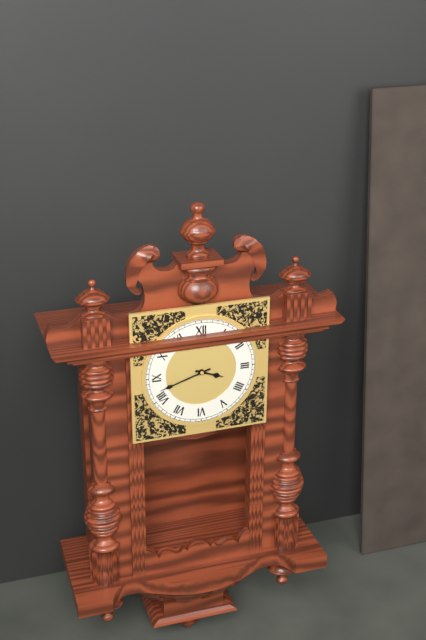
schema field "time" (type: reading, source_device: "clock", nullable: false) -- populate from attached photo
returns 3:42
